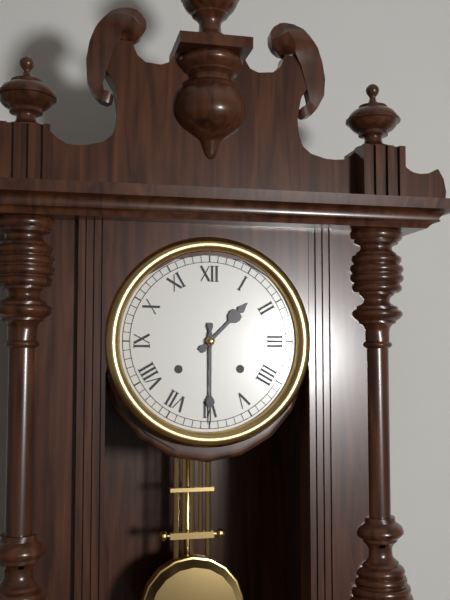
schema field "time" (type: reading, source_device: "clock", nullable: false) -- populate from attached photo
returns 1:30
